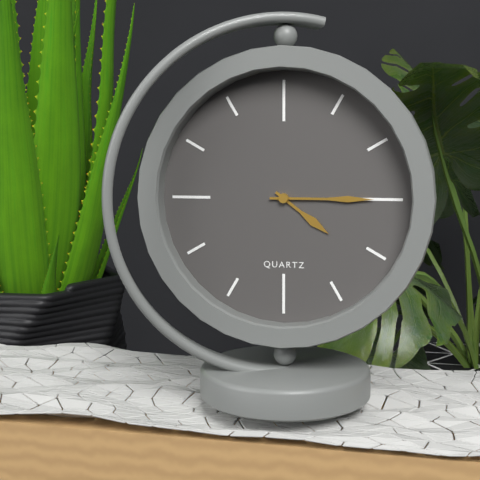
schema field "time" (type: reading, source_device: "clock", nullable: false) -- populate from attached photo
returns 4:15
